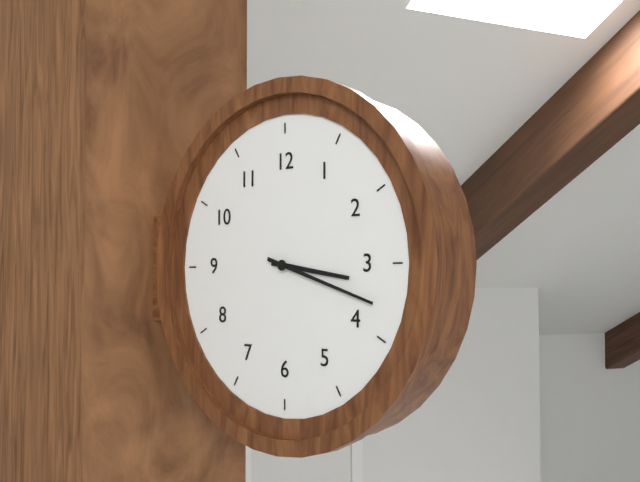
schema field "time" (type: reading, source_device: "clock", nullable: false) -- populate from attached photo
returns 3:18
